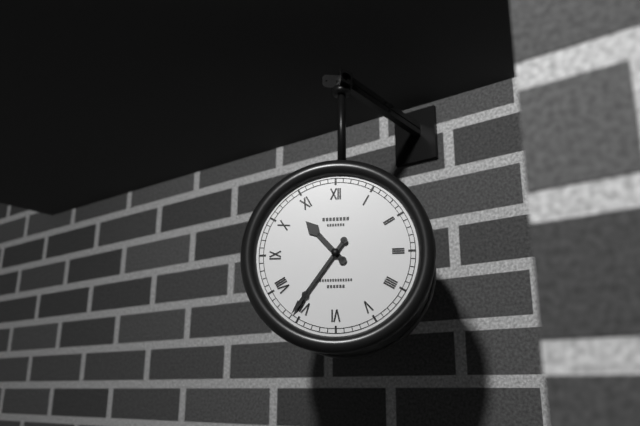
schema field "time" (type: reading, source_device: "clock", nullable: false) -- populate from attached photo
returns 10:36
